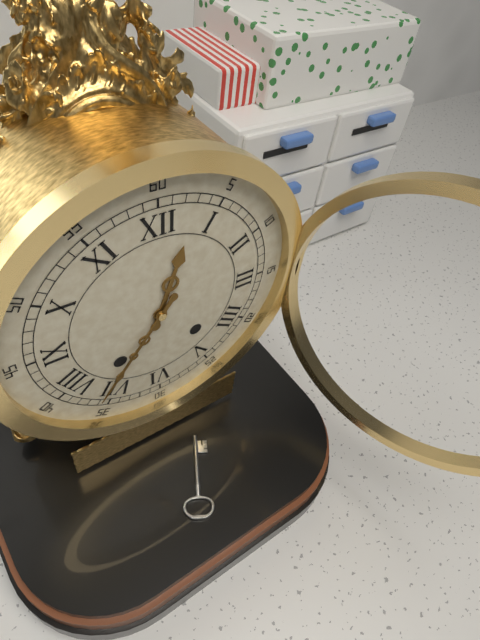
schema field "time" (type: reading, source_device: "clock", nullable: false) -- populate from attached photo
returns 12:36
